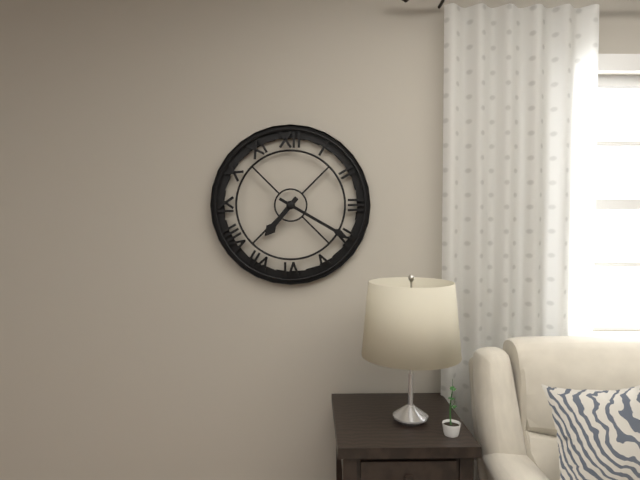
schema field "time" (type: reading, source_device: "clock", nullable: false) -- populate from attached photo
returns 7:20
